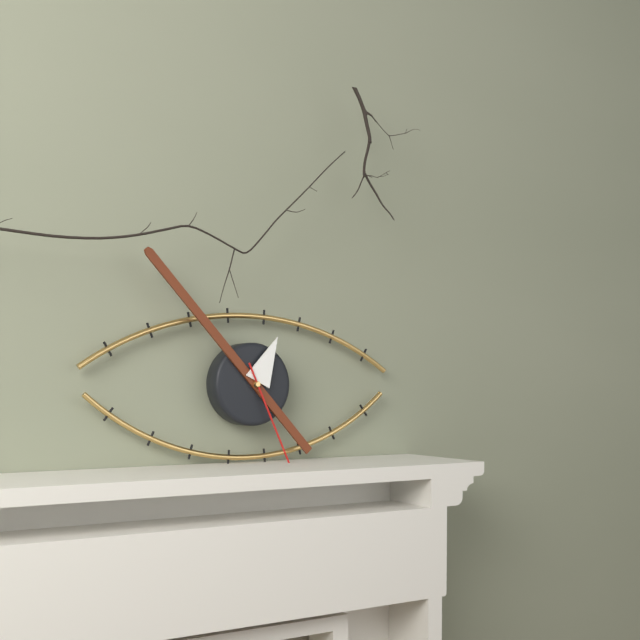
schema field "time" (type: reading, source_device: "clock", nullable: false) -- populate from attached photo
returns 12:53
